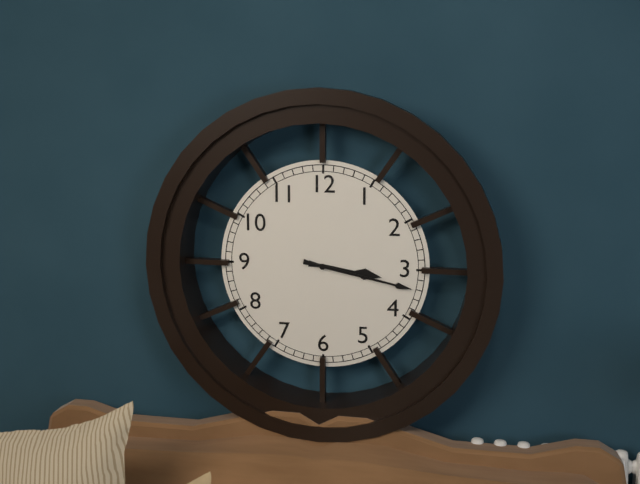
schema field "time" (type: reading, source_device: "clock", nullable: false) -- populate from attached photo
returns 3:17
